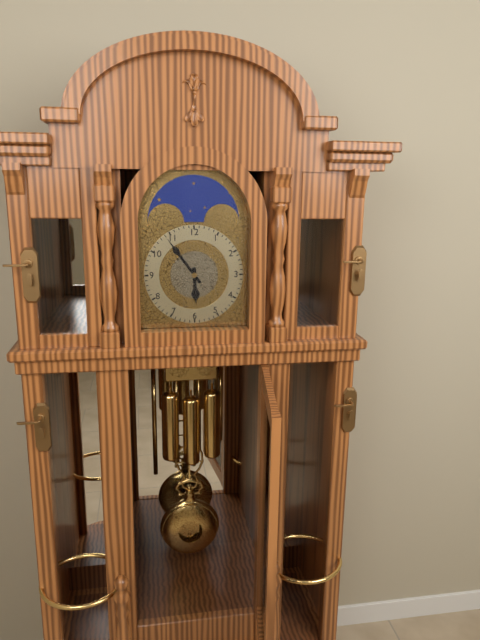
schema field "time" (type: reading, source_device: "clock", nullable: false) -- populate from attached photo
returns 5:54
